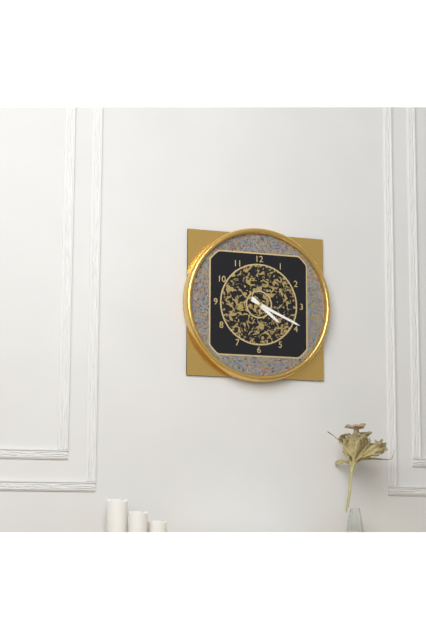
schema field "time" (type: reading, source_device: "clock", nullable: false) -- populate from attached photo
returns 4:19
